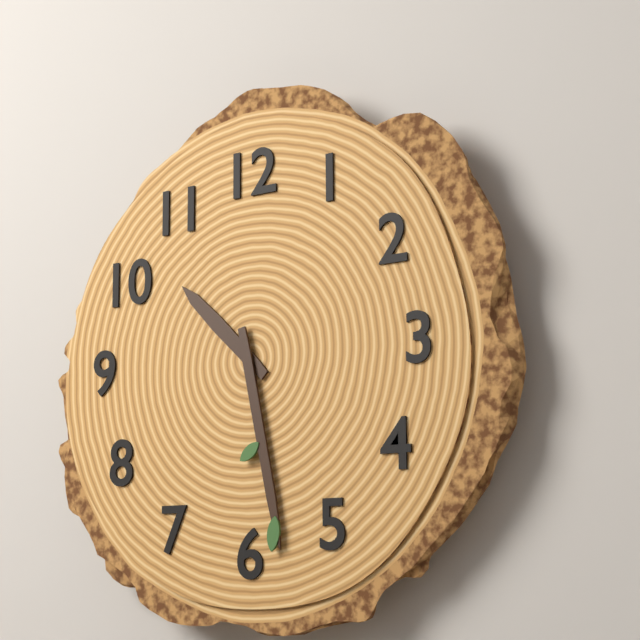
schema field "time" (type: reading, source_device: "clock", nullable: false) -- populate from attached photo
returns 10:28
